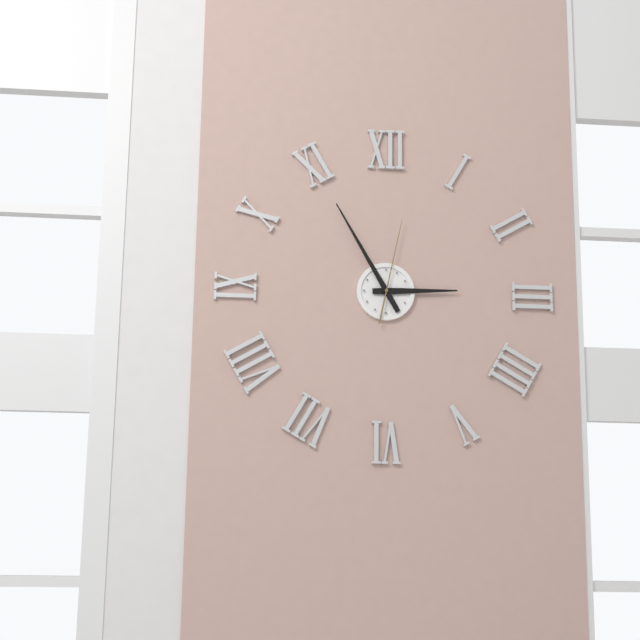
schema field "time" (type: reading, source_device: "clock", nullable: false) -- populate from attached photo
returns 2:55:02
